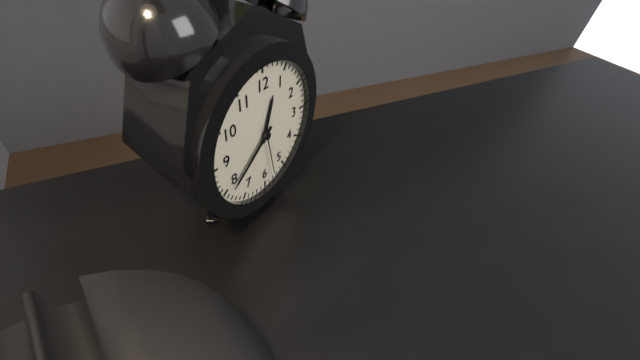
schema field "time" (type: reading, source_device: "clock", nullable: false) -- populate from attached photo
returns 12:39:28
